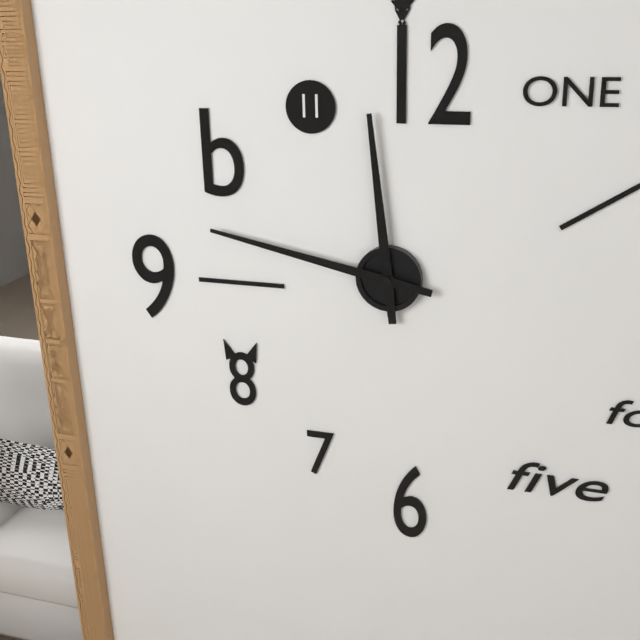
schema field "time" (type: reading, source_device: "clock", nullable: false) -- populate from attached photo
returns 11:47
